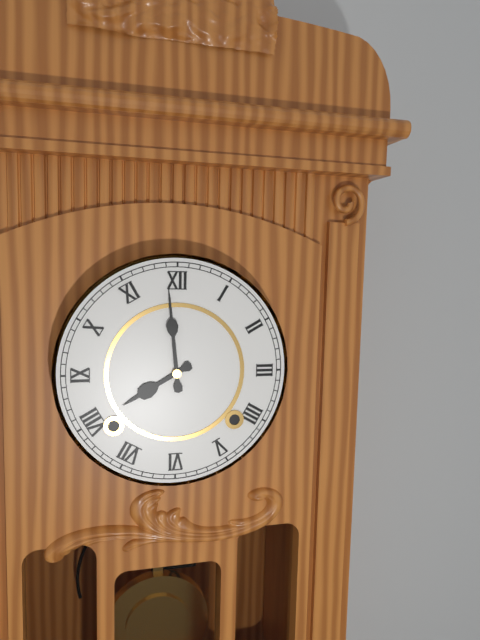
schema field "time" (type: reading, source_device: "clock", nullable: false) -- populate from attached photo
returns 7:59
